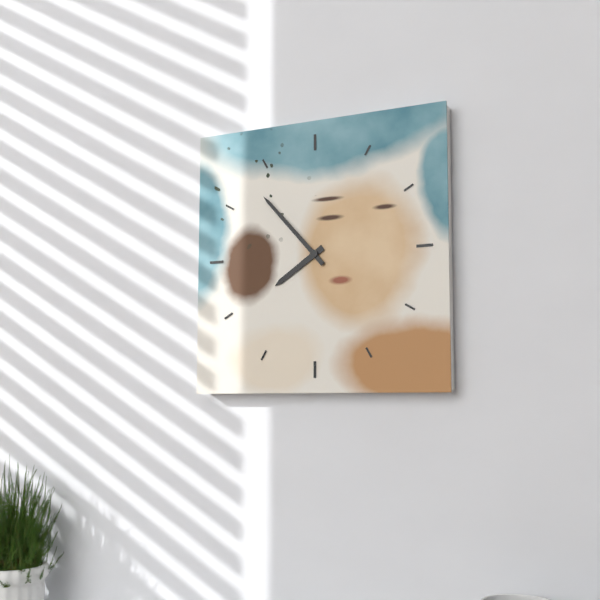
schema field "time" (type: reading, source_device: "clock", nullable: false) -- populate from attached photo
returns 7:53
